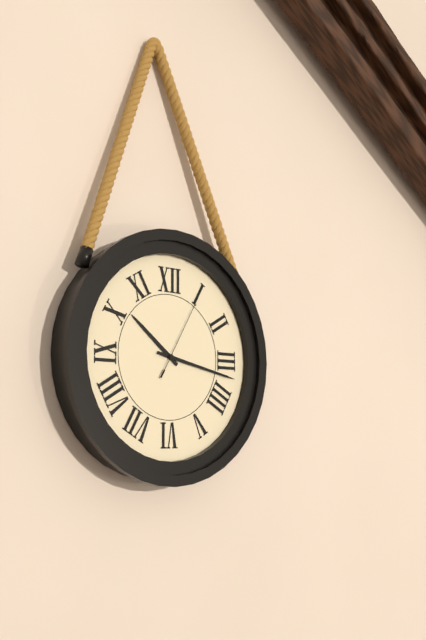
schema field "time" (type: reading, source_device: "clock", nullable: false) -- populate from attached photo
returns 10:17:05
